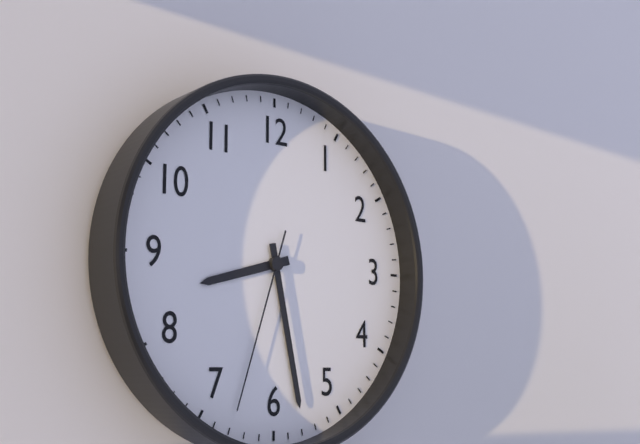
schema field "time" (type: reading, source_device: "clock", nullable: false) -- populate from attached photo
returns 8:28:33
